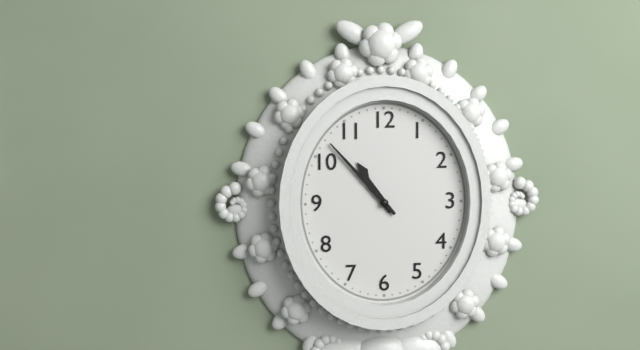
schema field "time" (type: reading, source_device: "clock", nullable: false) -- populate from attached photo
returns 10:53
